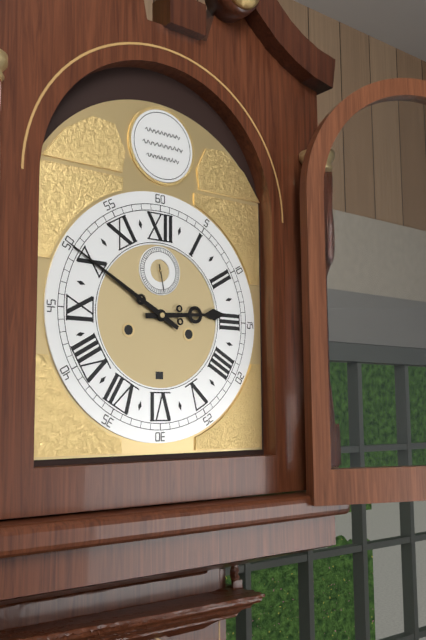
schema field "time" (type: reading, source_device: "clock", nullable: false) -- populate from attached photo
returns 2:50
